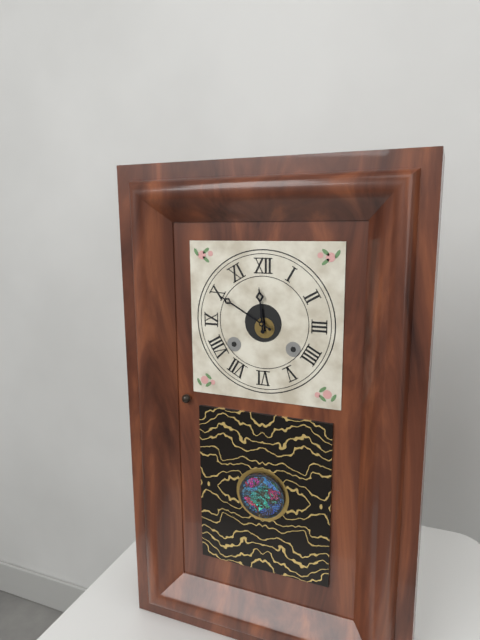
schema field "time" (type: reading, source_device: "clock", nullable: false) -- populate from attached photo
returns 11:50
